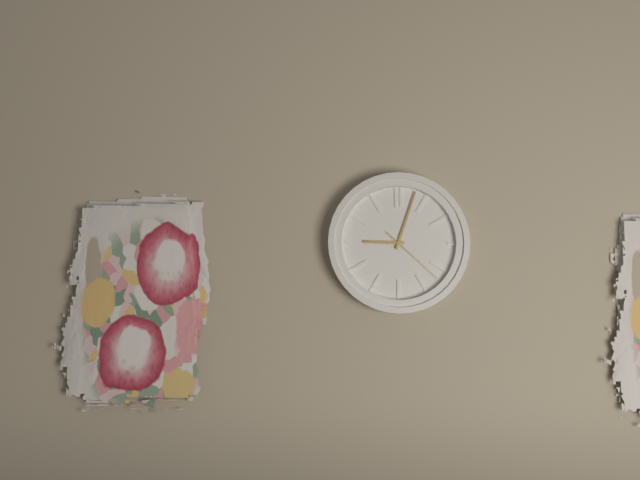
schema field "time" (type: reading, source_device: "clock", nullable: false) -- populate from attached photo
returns 9:03:22
